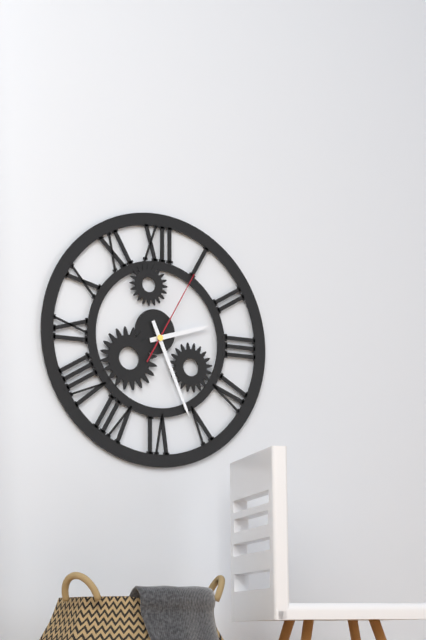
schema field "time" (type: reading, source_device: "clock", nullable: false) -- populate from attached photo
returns 2:26:05
